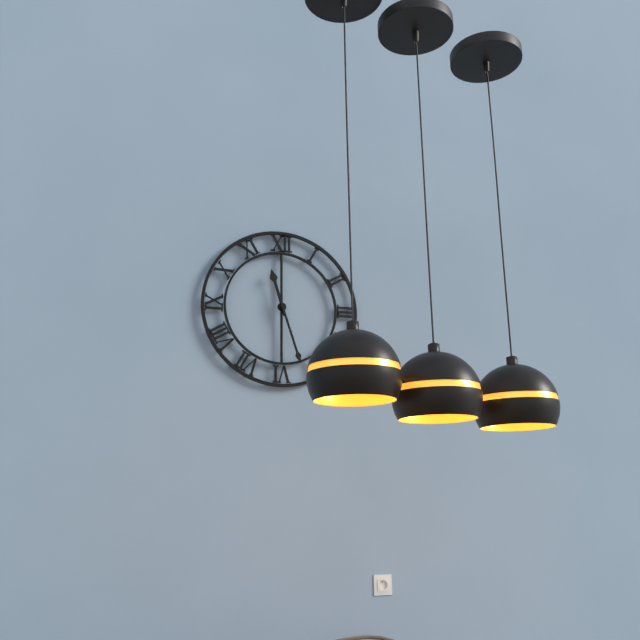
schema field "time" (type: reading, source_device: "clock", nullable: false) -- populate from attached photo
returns 11:27
